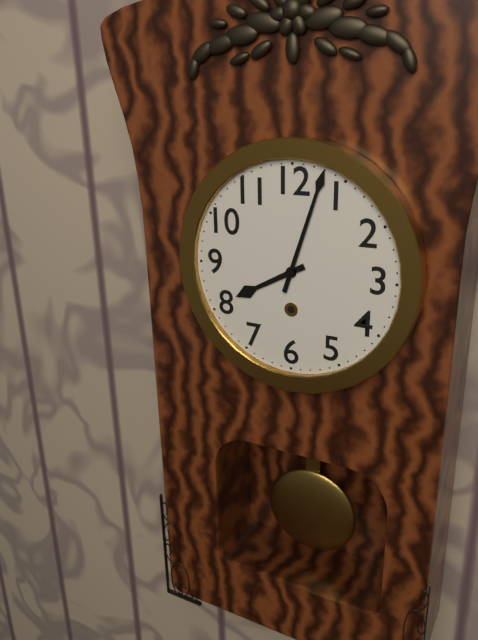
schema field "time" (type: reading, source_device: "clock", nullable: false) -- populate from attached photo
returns 8:03
